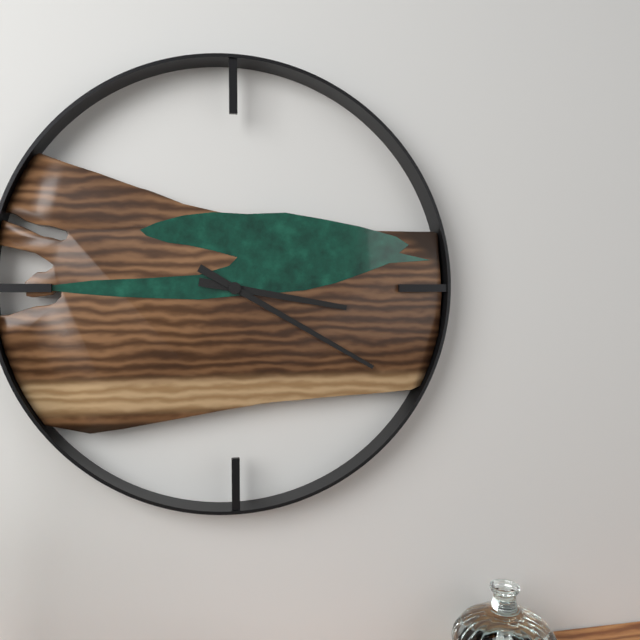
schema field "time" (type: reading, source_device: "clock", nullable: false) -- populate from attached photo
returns 3:20
